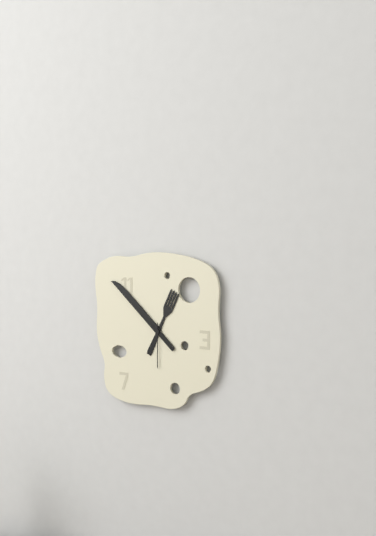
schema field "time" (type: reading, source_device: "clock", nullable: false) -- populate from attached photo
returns 12:52
